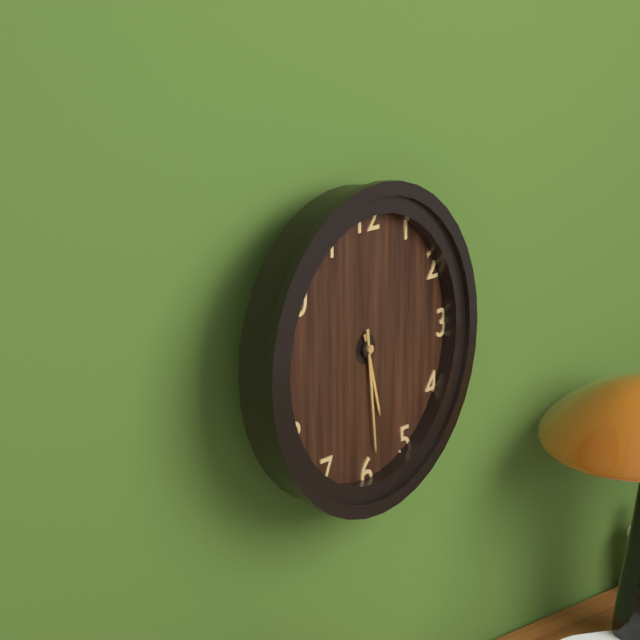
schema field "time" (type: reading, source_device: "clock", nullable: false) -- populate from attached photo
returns 5:29
